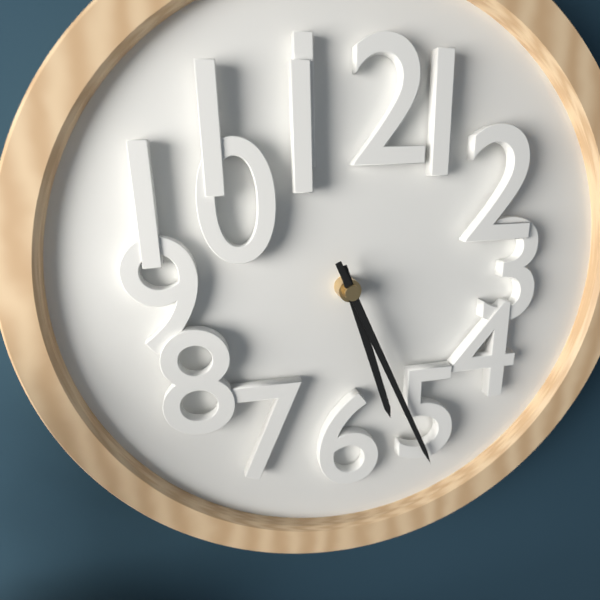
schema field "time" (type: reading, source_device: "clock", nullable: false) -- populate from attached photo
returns 5:26
